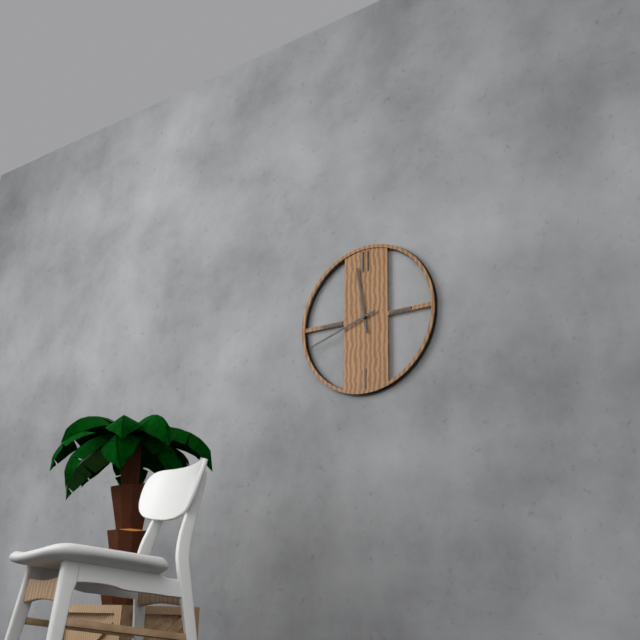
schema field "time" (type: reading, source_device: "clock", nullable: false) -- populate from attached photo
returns 11:42
